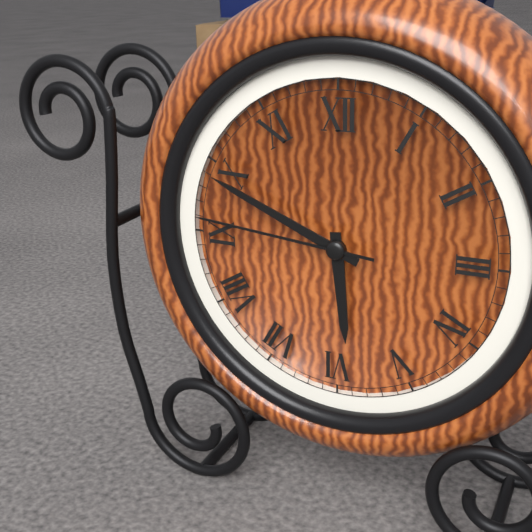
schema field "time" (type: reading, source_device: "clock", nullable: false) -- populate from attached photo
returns 5:49:46
